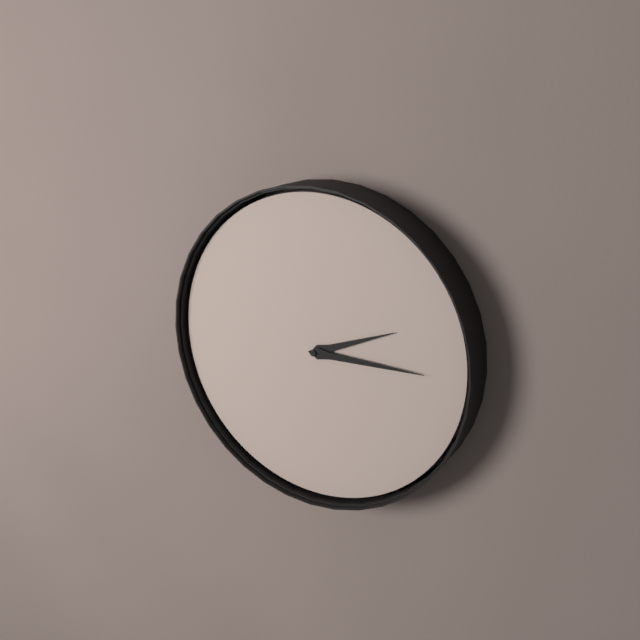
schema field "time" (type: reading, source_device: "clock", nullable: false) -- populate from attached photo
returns 2:15
